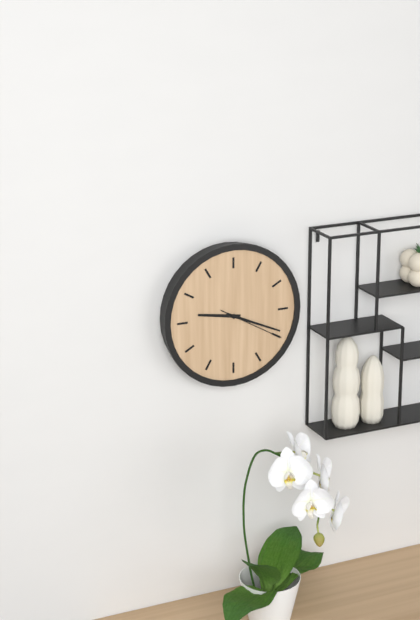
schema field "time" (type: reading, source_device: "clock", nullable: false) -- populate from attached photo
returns 9:19:20
